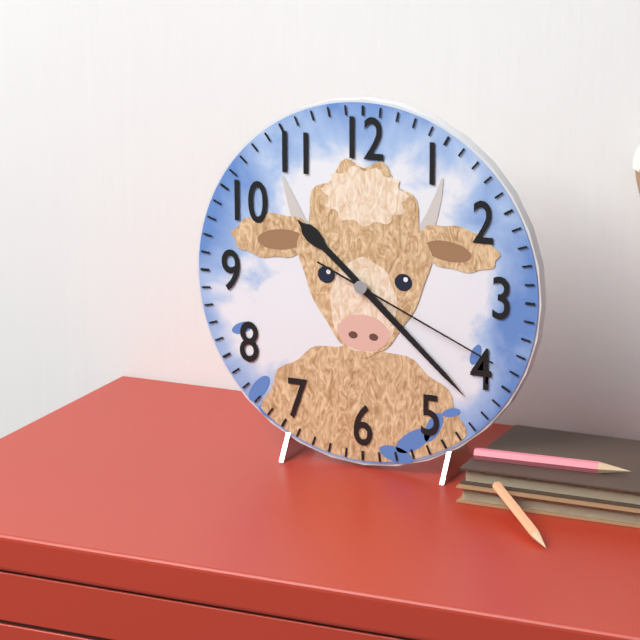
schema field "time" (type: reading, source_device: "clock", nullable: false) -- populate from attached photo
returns 10:22:19
